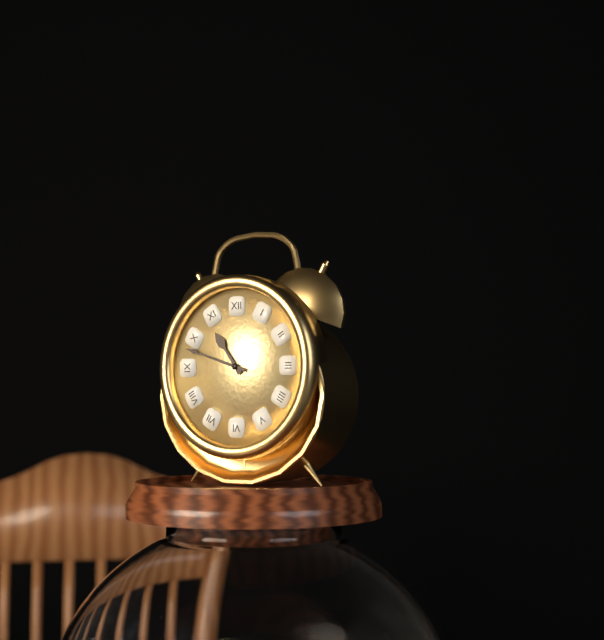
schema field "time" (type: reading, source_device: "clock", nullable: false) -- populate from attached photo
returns 10:48
